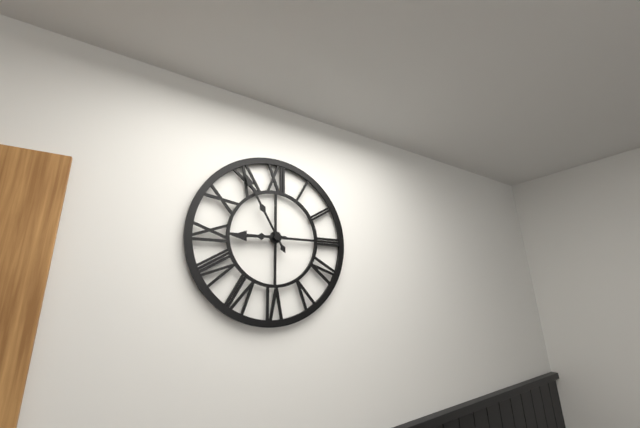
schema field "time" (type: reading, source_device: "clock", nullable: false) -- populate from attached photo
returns 8:55
